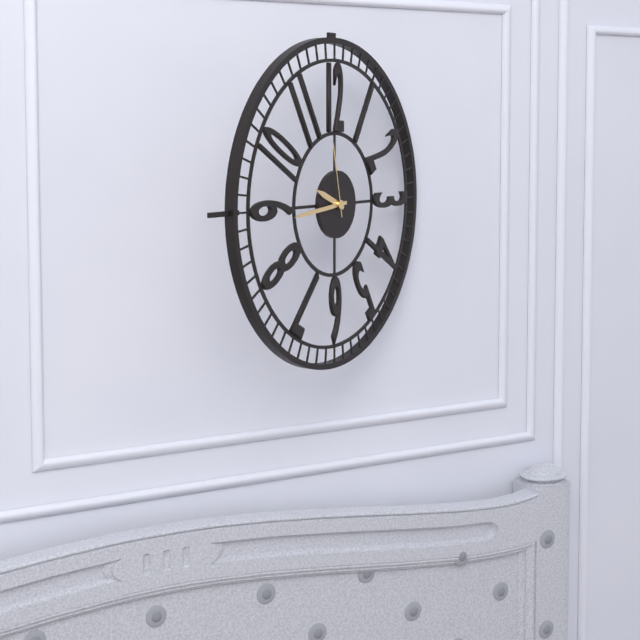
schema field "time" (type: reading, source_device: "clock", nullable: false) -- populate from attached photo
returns 9:44:58
